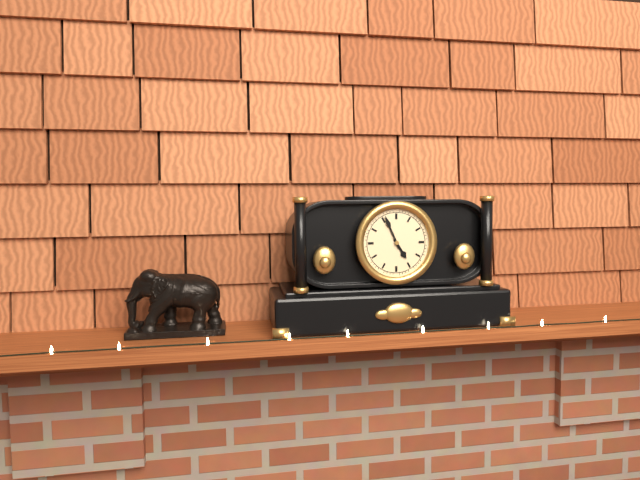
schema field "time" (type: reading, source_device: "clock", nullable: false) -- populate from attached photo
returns 4:56
